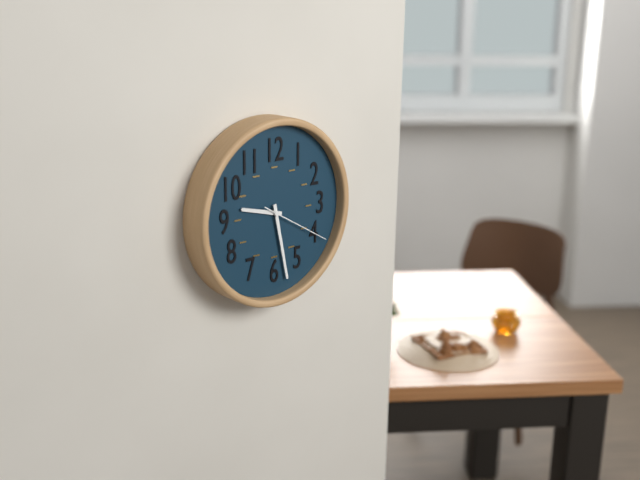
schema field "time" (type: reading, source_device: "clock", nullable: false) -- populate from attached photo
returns 9:28:20
